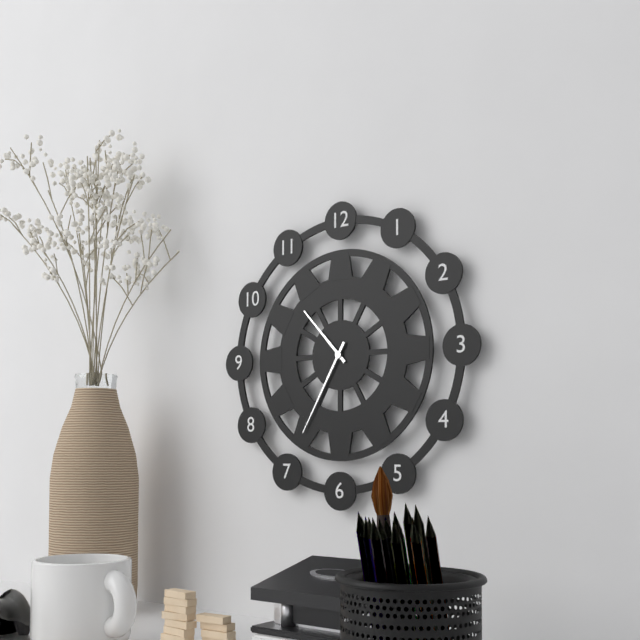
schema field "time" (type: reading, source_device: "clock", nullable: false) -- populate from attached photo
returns 10:35
